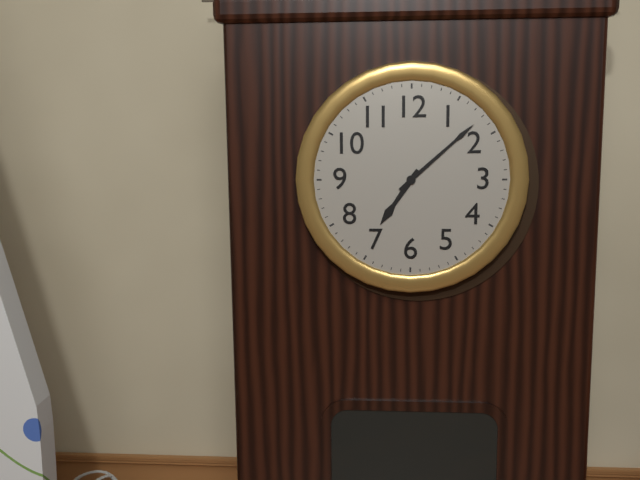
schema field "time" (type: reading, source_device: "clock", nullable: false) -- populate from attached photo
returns 7:08
